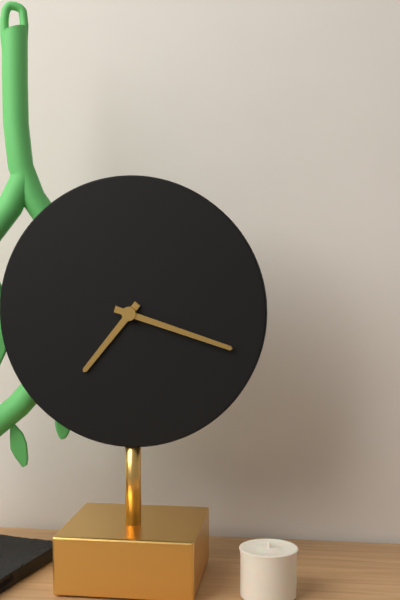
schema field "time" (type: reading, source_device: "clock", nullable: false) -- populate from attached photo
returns 7:18
